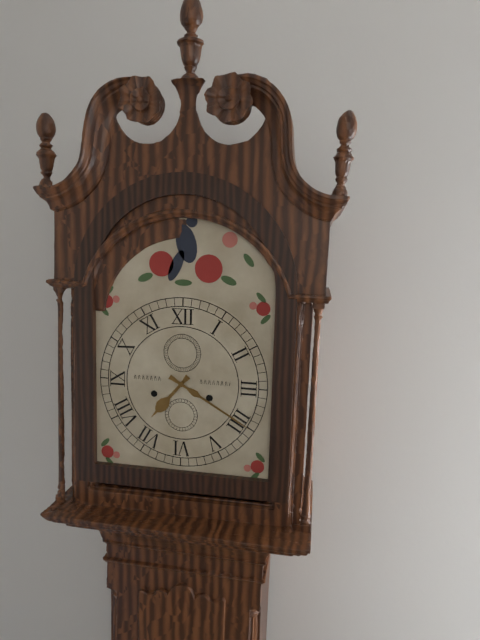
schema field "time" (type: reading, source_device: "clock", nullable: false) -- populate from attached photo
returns 7:20
